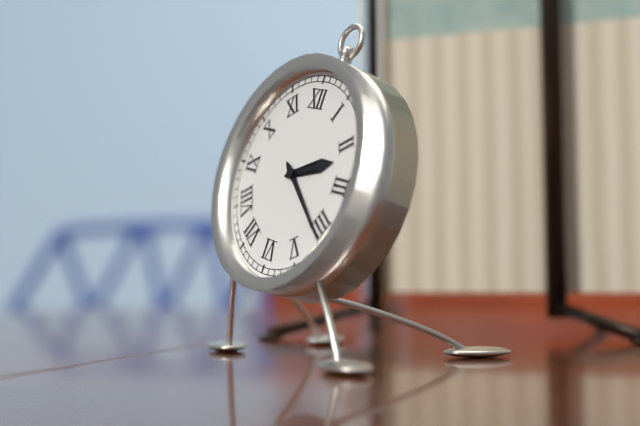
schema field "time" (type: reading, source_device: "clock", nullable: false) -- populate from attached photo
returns 2:21
